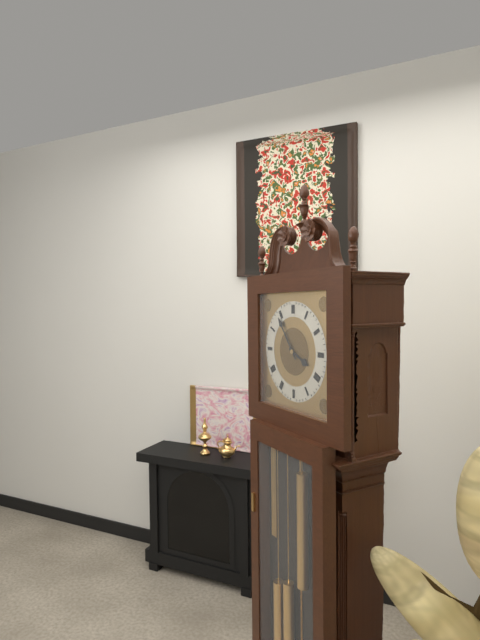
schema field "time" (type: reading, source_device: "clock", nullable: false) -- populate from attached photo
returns 3:54
